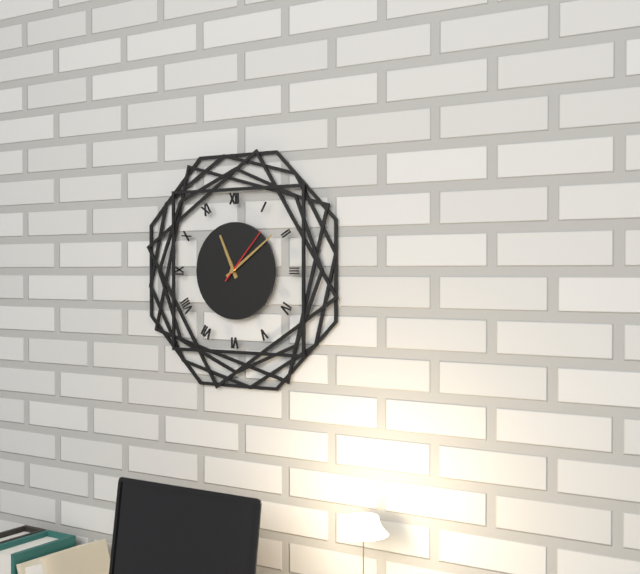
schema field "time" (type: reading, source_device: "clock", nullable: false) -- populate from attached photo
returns 11:09:07
